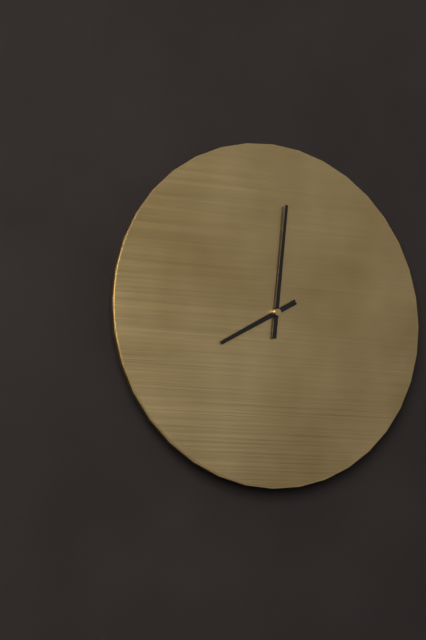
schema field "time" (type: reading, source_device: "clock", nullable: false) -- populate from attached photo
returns 8:01
